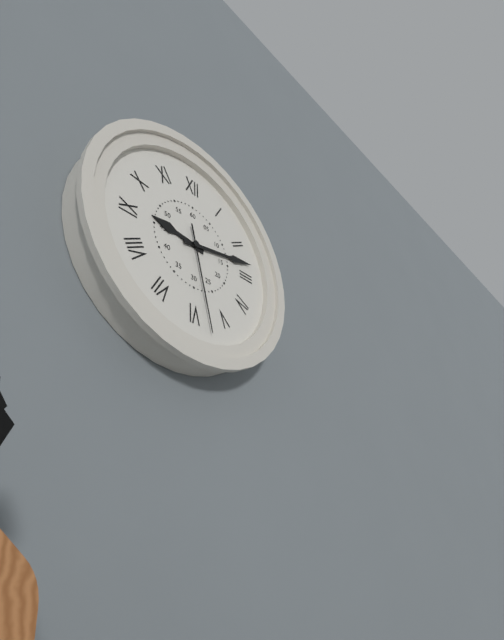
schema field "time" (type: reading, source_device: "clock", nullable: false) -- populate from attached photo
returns 9:13:28
